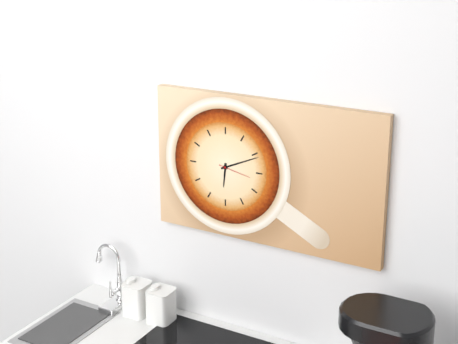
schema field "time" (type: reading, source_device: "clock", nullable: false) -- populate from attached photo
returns 6:11
